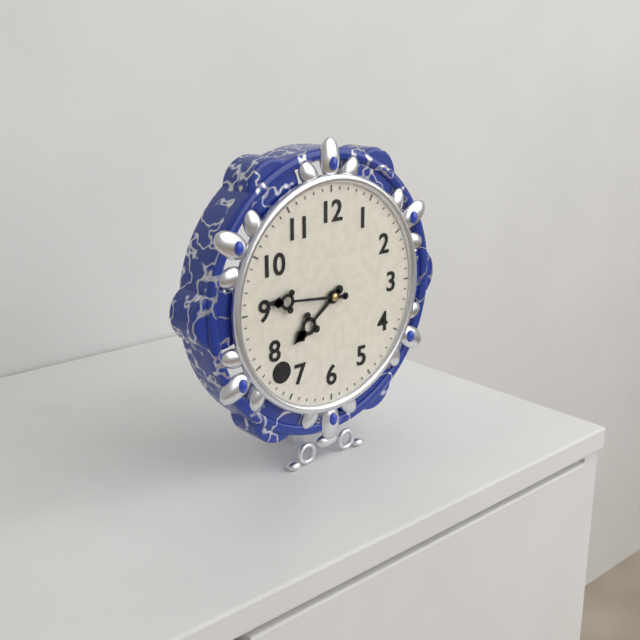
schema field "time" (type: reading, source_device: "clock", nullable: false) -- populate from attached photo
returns 7:46
